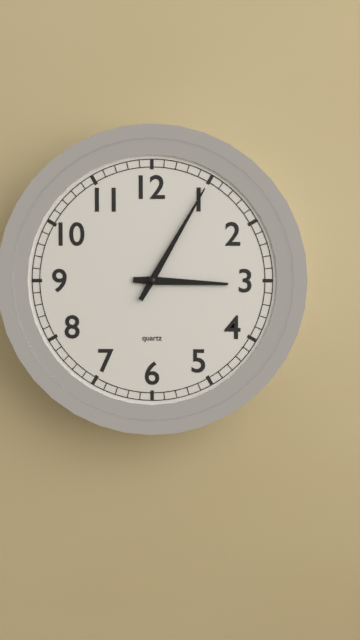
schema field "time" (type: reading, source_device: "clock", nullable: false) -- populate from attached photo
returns 3:05
